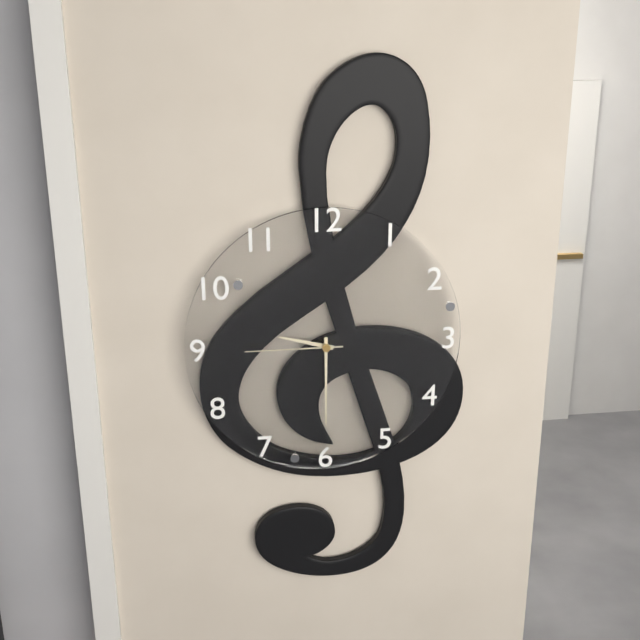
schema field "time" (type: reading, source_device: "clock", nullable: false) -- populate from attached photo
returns 9:30:45
